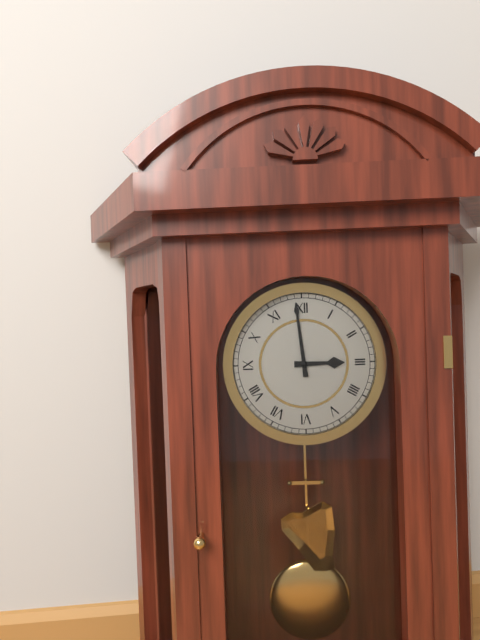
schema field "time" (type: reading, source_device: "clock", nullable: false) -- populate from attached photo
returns 2:59
